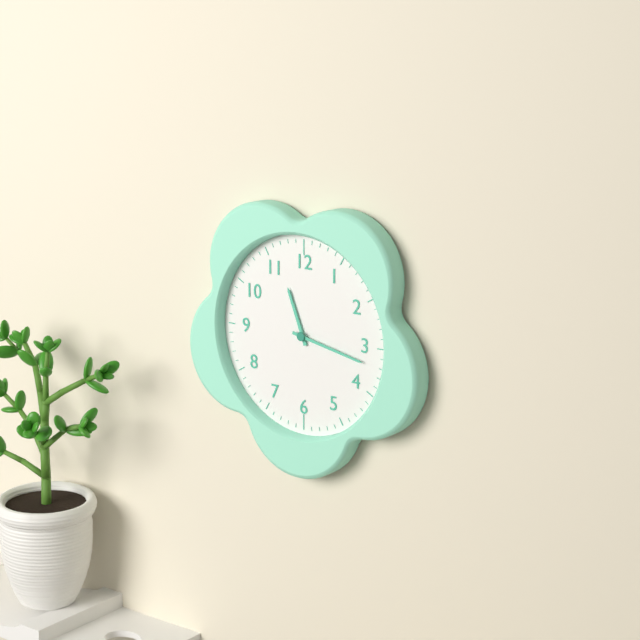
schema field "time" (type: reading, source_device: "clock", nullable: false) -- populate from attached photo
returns 11:17
